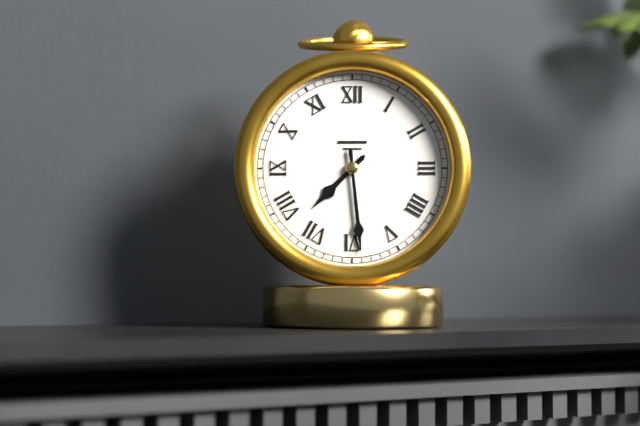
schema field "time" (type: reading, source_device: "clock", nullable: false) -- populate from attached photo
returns 7:29
